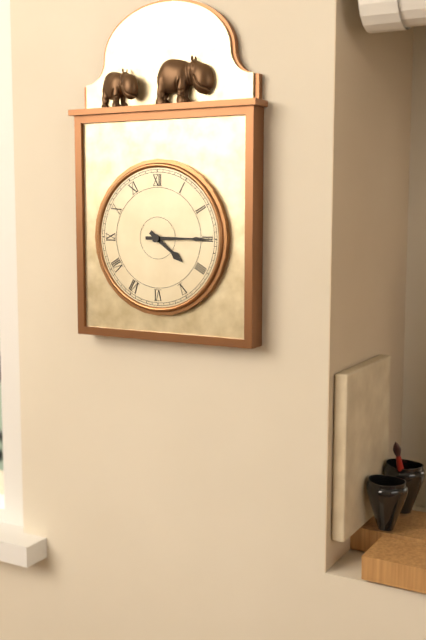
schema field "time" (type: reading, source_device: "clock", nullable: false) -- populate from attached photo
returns 4:15
